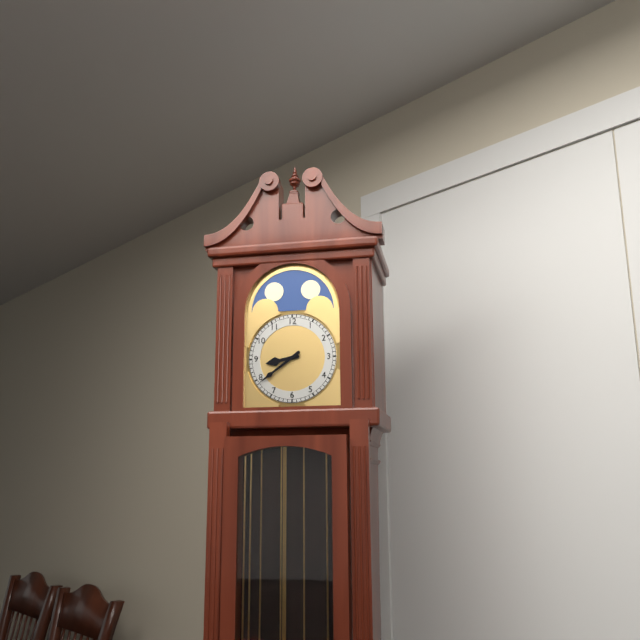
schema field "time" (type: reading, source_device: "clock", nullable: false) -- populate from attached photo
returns 8:39
